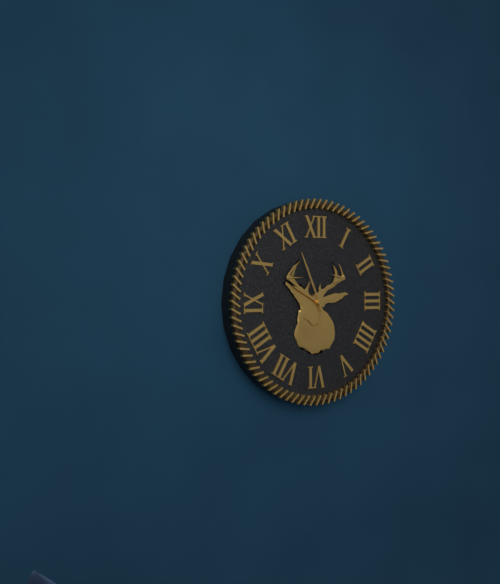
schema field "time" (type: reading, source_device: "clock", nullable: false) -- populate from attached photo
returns 9:56
